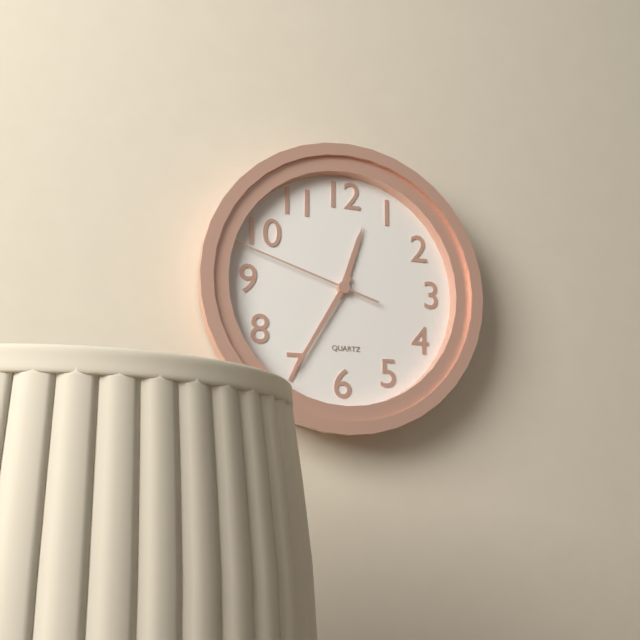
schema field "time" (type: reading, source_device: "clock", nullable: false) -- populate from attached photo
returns 12:35:48
